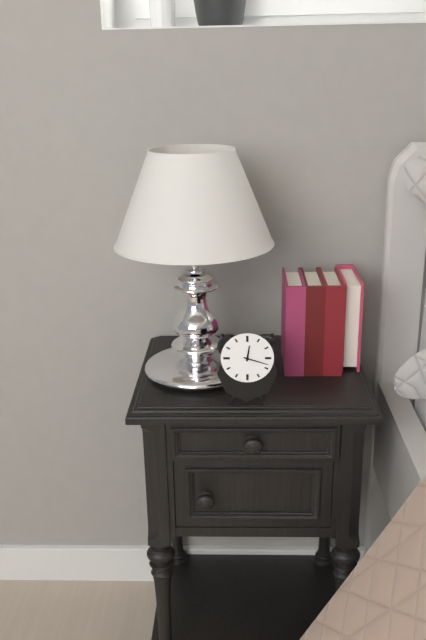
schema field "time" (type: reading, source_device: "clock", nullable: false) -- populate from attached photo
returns 12:18
